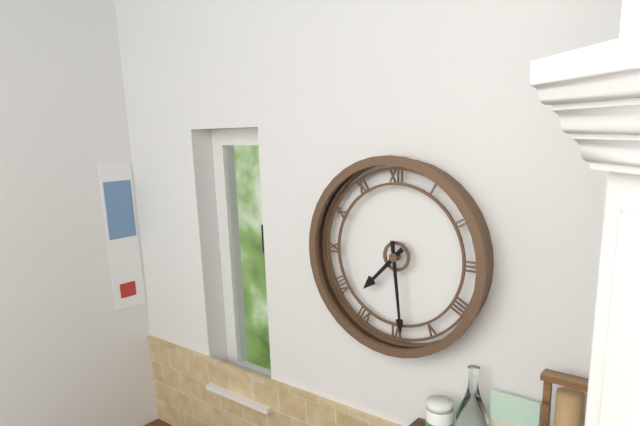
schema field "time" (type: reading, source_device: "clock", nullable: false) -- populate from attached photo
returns 7:29
